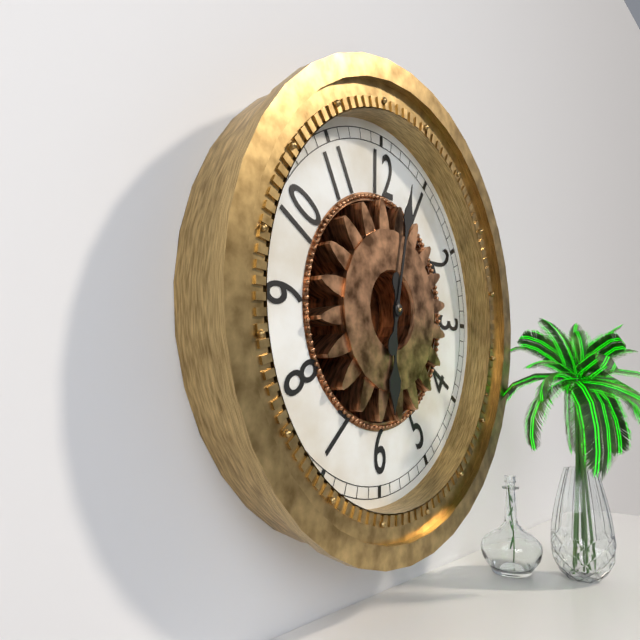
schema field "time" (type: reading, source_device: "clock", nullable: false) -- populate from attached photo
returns 6:02
